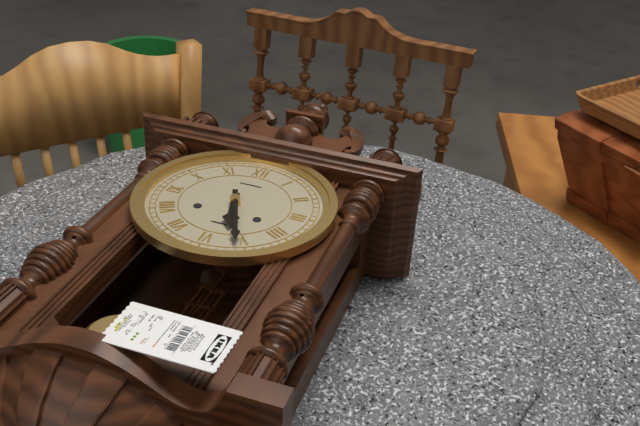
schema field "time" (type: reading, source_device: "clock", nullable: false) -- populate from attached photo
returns 5:26
